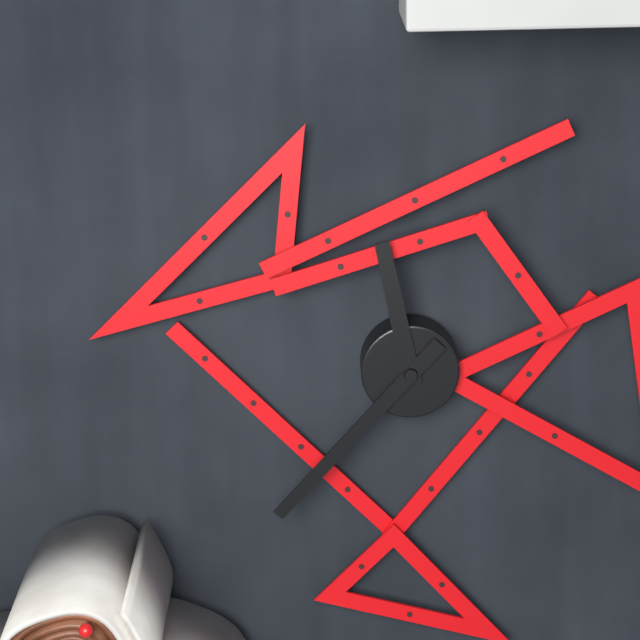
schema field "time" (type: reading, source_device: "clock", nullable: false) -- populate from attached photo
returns 11:37
